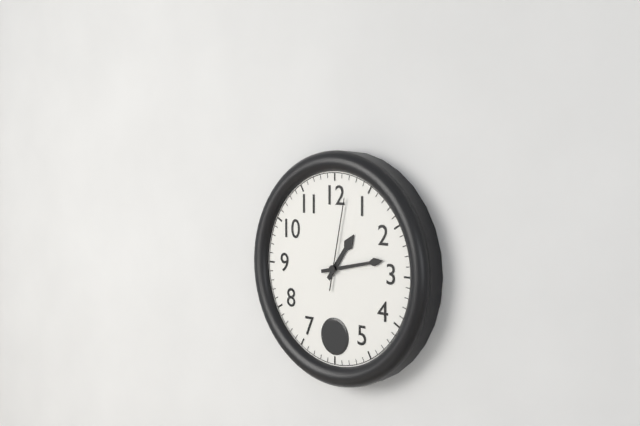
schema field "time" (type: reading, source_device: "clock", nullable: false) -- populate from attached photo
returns 1:13:02
